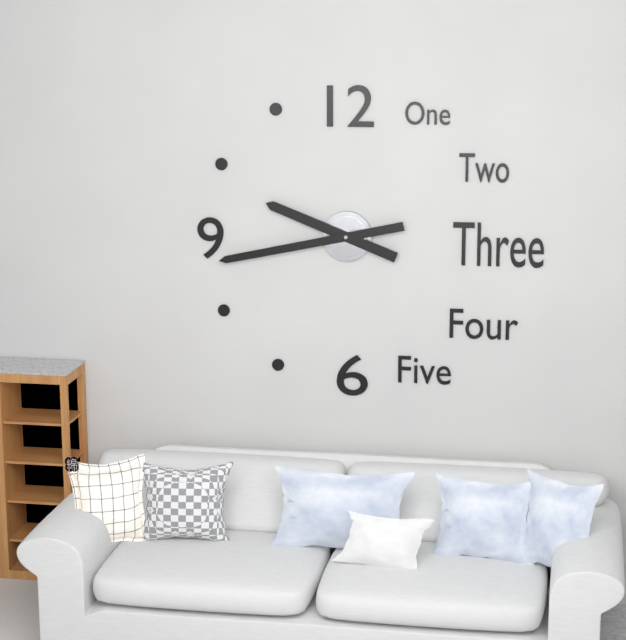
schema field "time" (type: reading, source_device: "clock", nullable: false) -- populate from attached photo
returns 9:43
